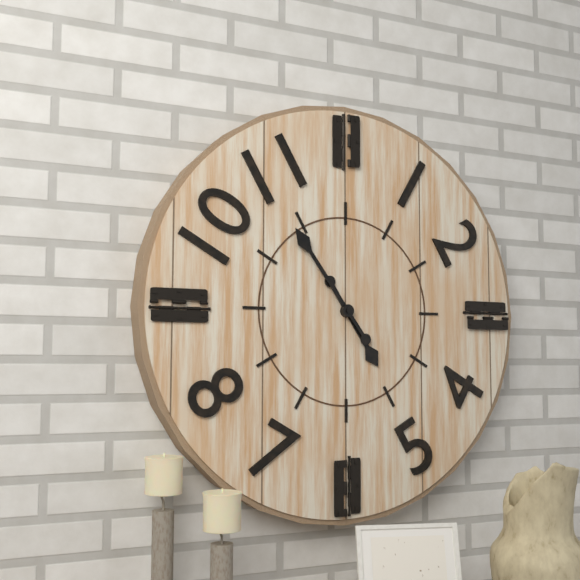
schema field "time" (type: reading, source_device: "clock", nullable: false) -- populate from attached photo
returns 4:54
